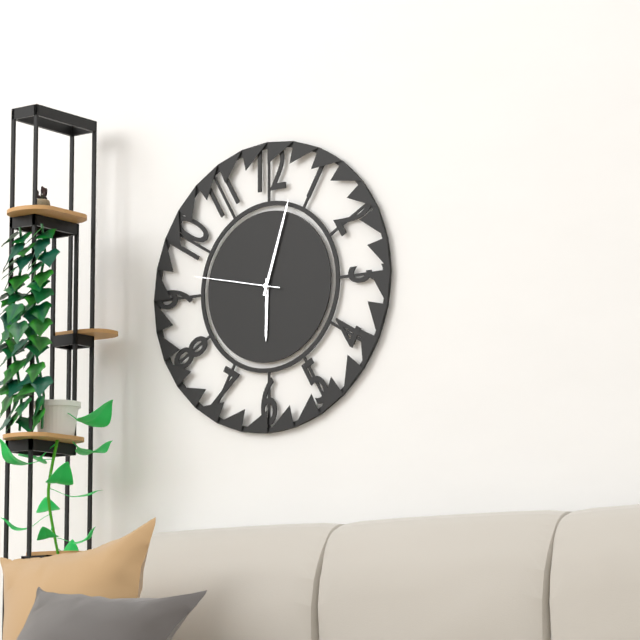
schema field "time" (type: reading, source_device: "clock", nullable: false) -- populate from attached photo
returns 6:03:47
